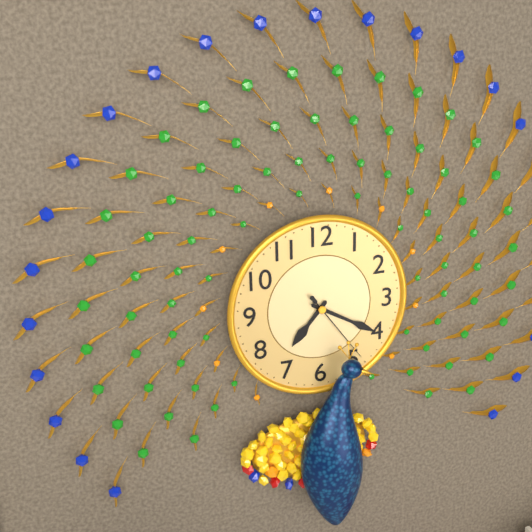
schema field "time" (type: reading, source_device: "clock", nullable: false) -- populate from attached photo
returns 7:20:24
